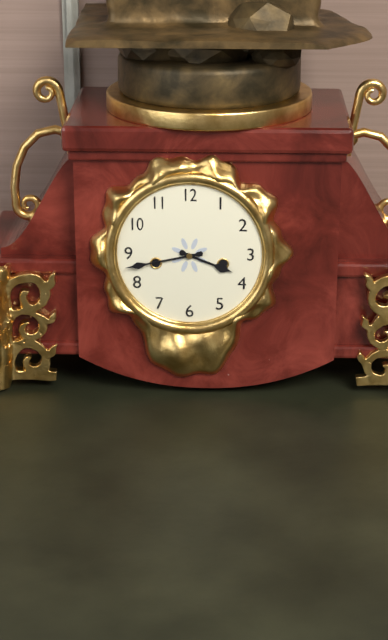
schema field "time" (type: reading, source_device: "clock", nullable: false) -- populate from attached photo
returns 3:43
